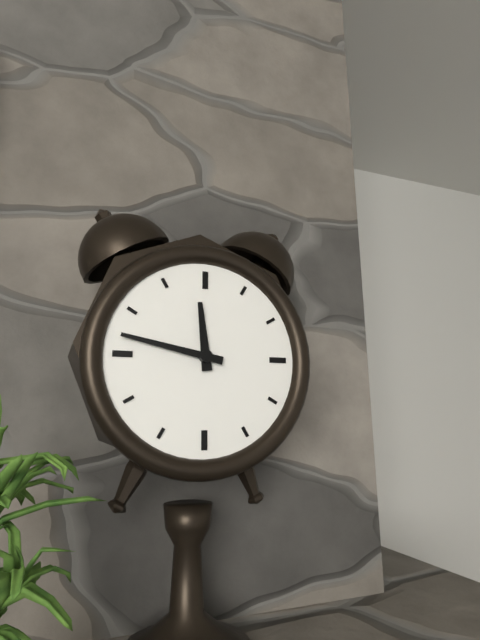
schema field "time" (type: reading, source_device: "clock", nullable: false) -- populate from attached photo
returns 11:47
